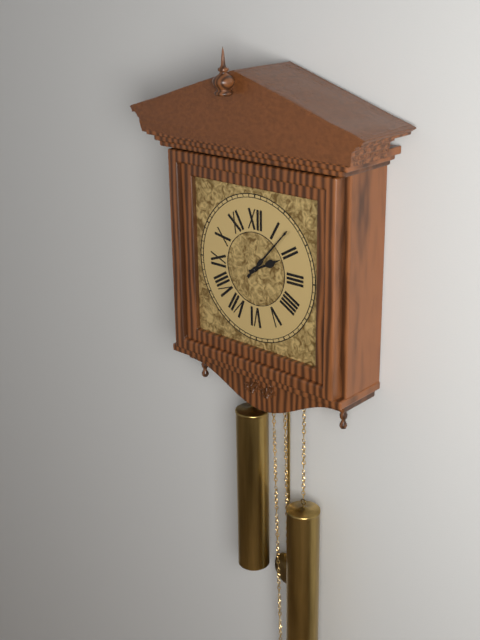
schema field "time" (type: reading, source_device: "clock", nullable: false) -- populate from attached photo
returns 2:07
